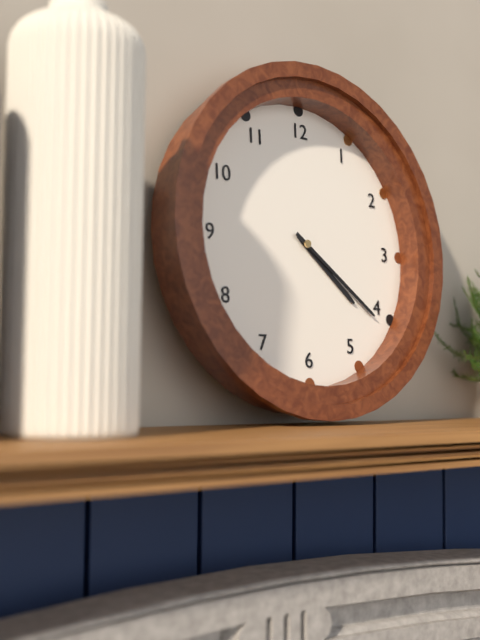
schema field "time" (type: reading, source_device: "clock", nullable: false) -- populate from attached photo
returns 4:21
